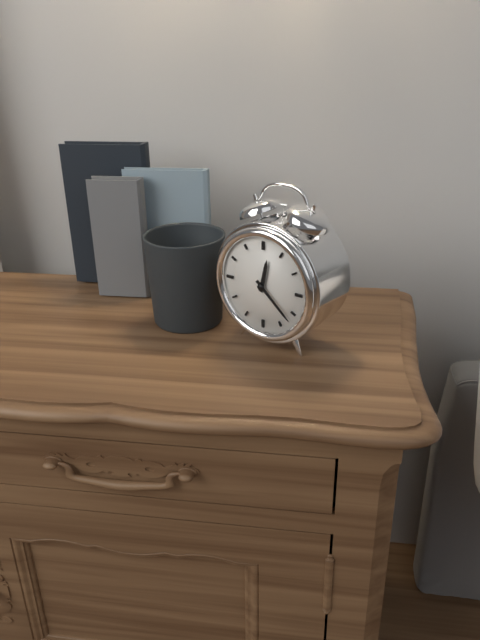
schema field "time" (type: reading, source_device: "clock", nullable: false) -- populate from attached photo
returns 12:22
